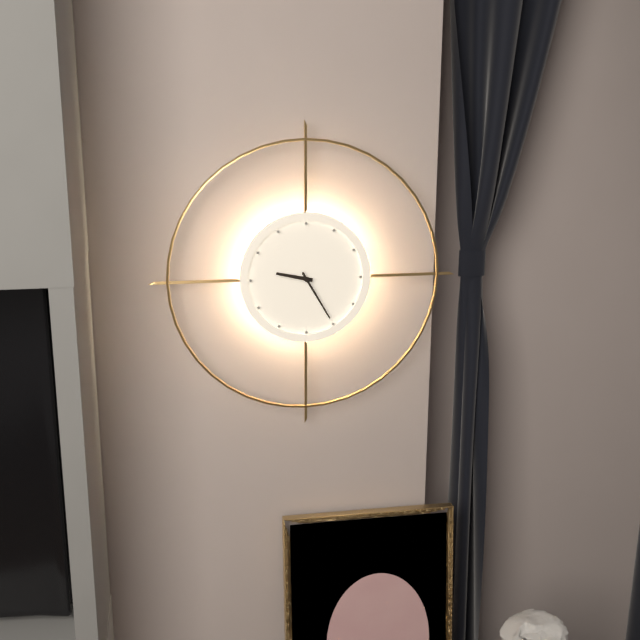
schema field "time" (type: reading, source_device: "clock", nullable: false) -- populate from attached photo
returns 9:25
